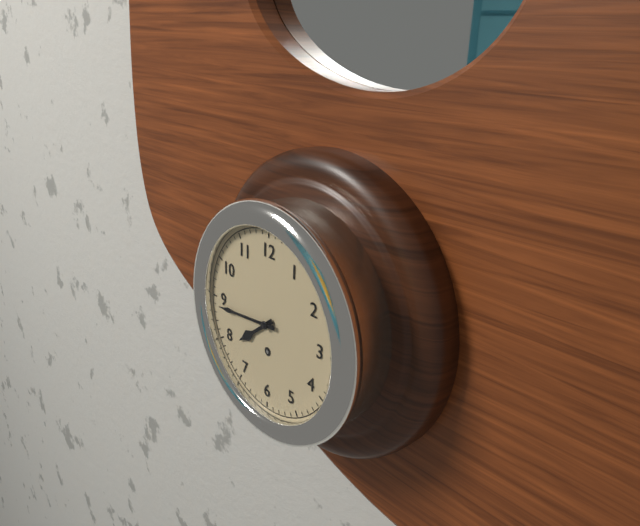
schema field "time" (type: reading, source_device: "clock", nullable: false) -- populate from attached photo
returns 7:44
